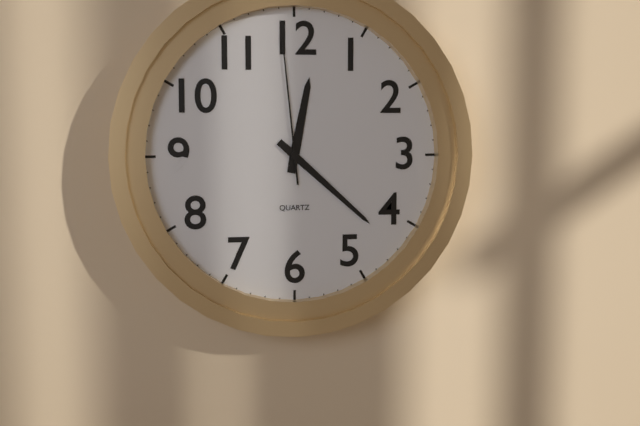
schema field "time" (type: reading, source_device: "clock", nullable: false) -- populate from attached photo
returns 12:22:59
